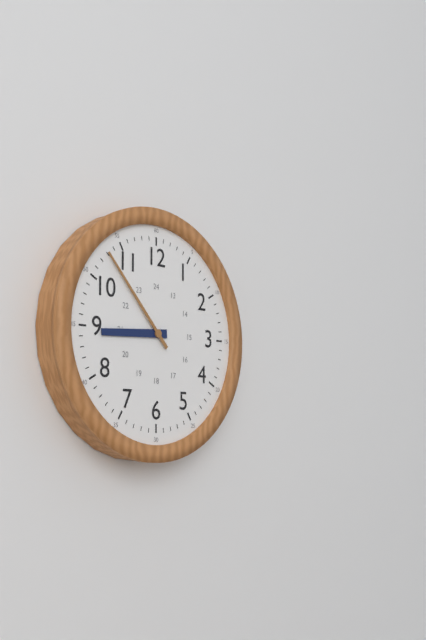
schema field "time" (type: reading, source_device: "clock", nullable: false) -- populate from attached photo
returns 8:53
